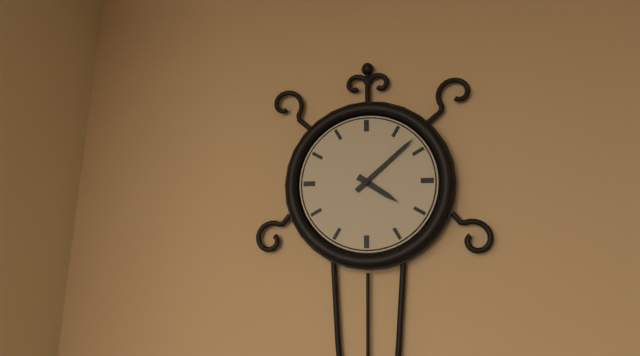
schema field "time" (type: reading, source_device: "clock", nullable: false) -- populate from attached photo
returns 4:08
